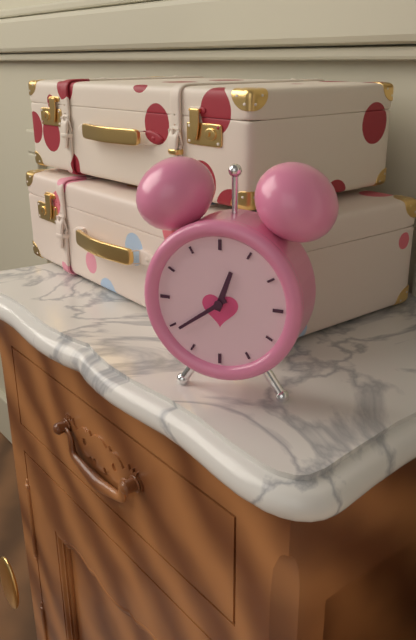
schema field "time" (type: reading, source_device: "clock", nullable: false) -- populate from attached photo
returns 12:39
